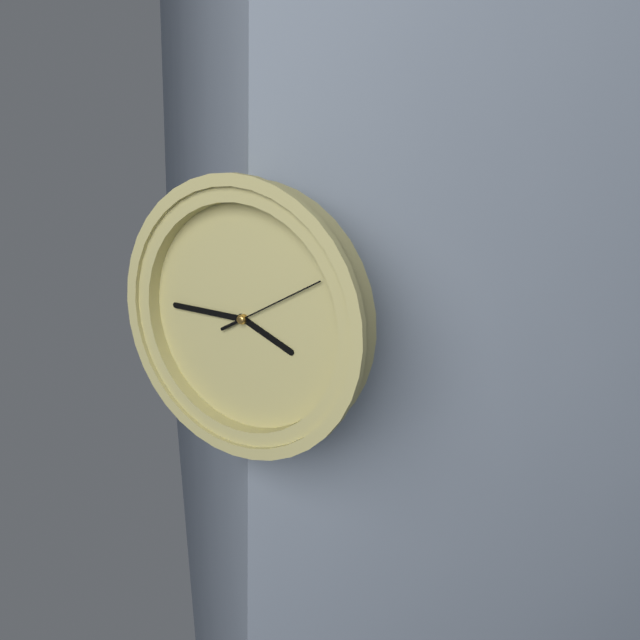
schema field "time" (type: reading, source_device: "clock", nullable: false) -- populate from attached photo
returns 3:45:10
